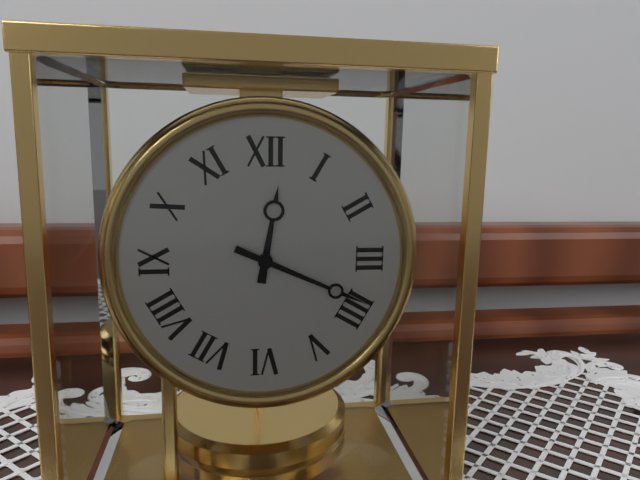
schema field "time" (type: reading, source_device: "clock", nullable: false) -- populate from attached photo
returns 12:19
